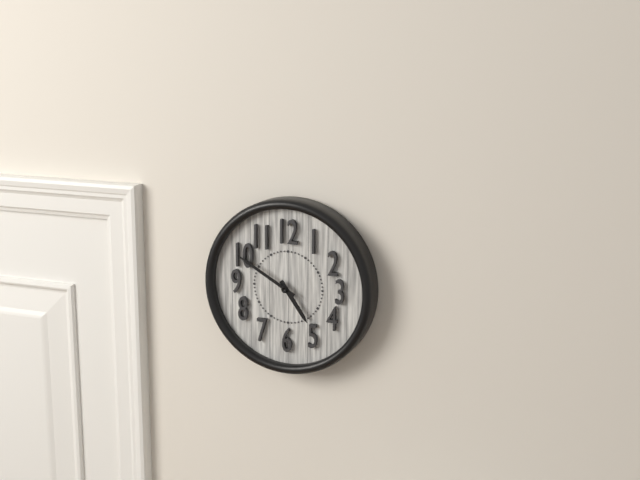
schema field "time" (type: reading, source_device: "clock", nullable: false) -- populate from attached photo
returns 4:50
